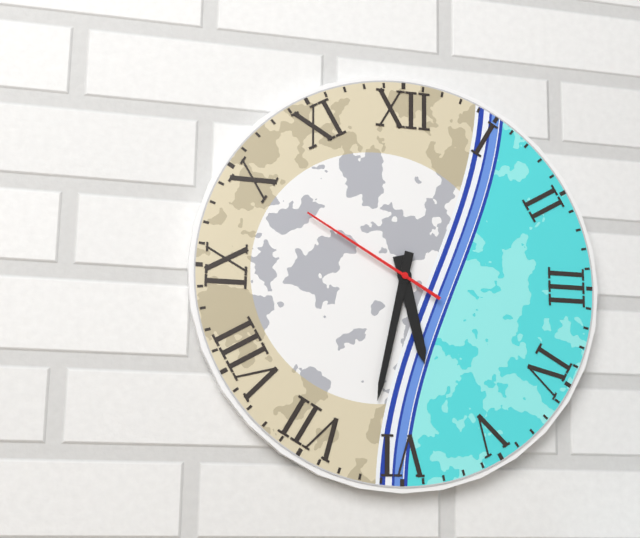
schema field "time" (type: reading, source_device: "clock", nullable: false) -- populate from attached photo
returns 5:32:50
